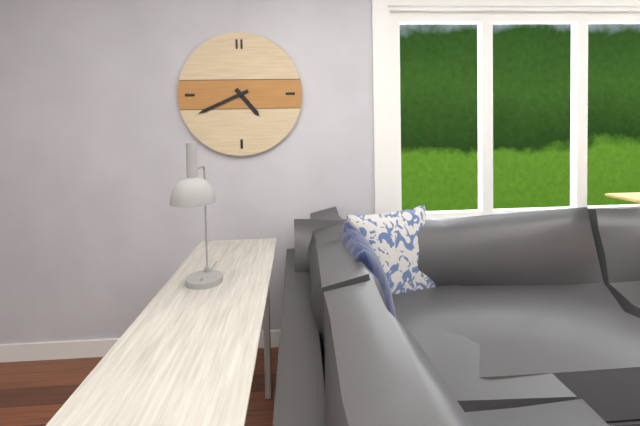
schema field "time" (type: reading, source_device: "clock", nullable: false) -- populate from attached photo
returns 4:41
